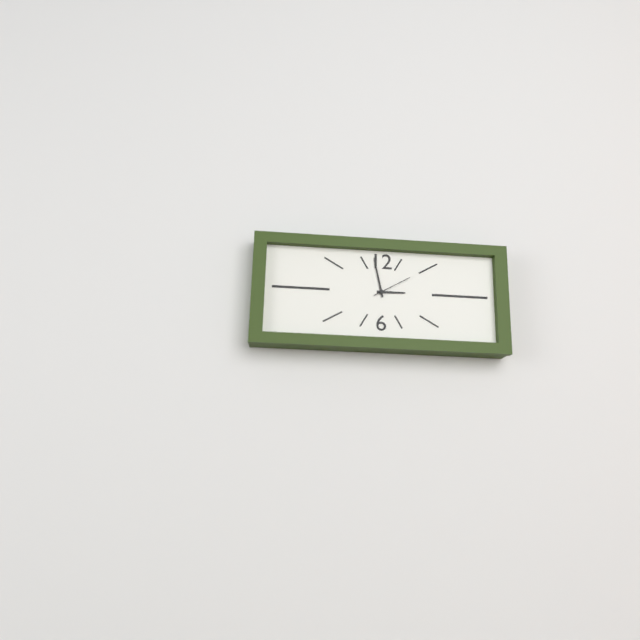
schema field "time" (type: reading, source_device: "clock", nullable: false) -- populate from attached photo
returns 2:58
